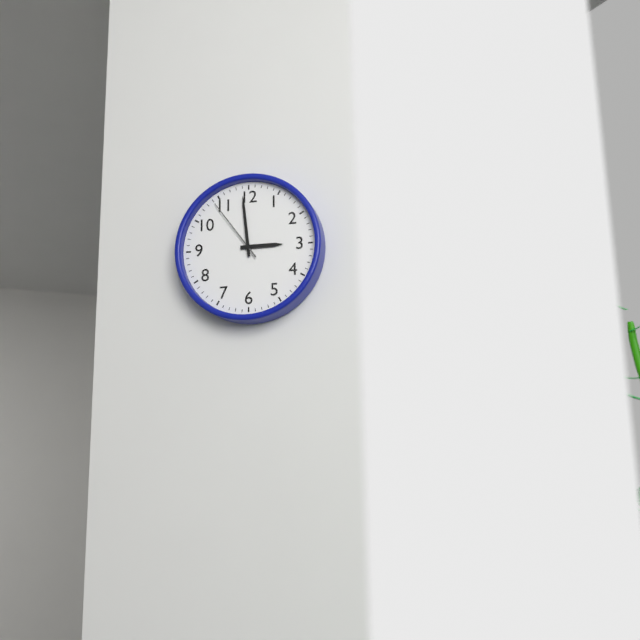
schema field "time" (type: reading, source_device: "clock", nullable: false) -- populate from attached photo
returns 2:59:54
